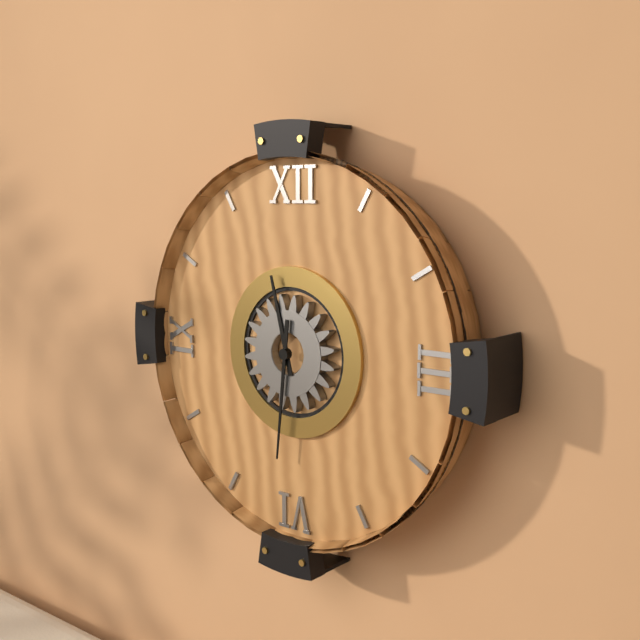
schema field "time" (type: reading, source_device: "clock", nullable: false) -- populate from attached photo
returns 11:31
